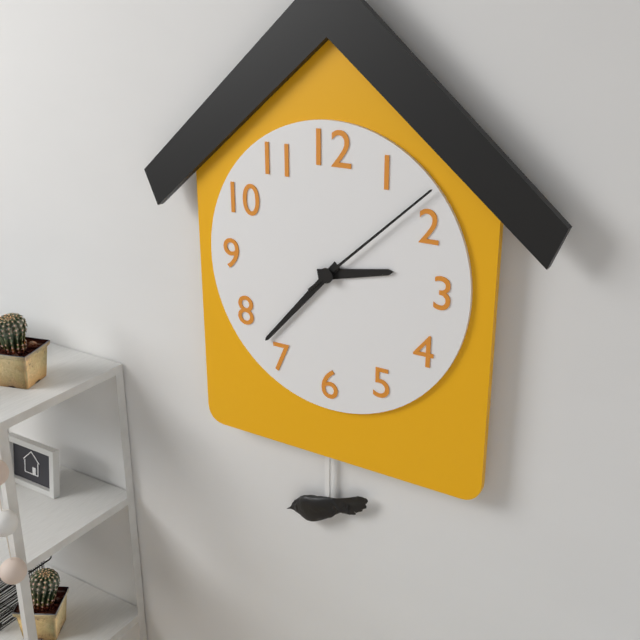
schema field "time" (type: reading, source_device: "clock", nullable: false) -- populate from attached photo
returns 2:37:08
